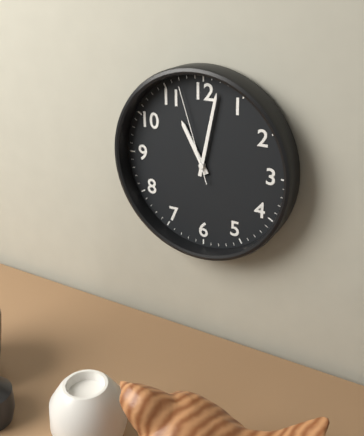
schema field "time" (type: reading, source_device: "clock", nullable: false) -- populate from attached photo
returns 11:02:57
